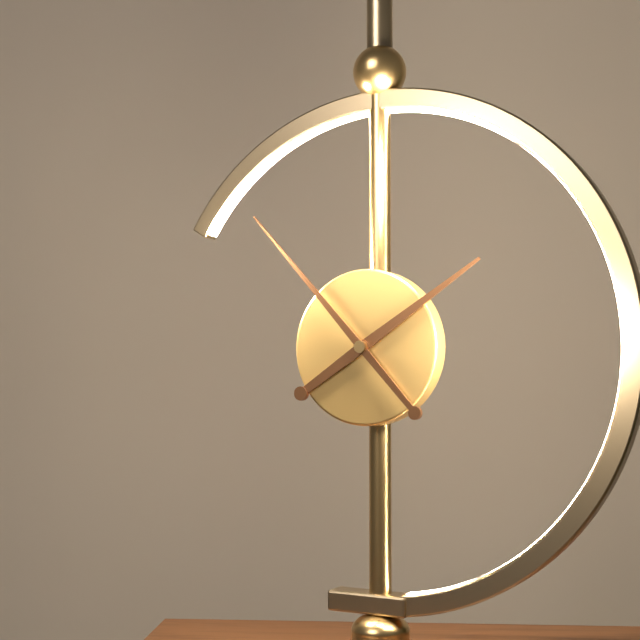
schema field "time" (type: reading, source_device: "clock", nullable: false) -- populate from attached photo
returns 1:53
